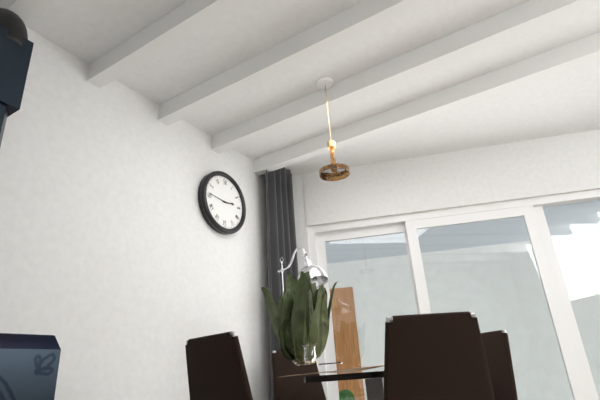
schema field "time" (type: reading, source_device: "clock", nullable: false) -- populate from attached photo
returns 2:46
